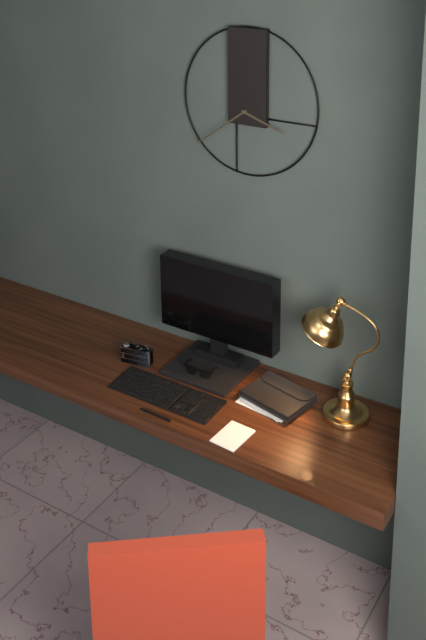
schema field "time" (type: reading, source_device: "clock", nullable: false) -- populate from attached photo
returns 3:39
